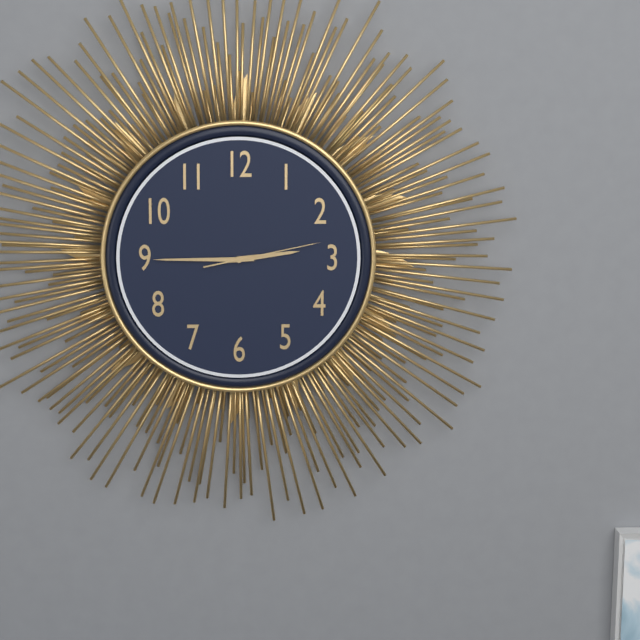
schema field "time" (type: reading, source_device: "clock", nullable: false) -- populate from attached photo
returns 2:45:13
